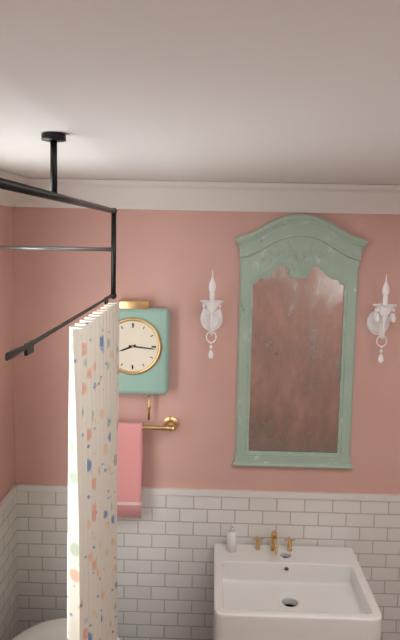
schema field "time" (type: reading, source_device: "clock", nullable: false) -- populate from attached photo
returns 8:16
